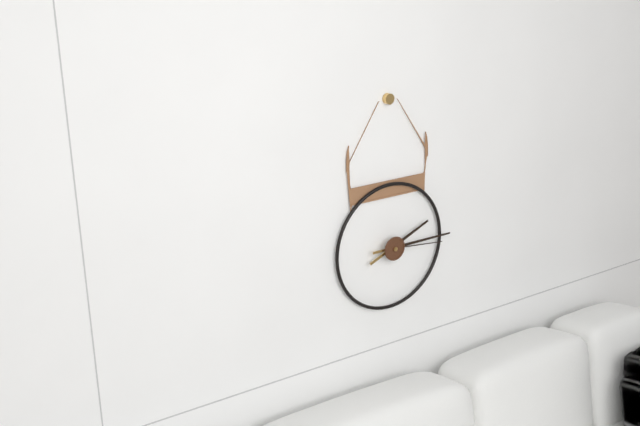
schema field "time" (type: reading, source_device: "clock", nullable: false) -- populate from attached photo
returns 2:15:16
